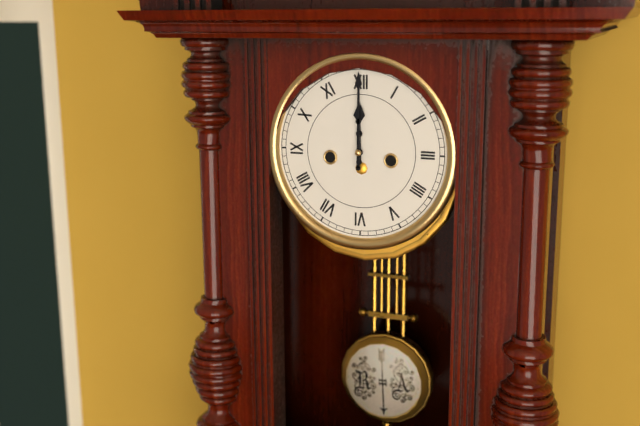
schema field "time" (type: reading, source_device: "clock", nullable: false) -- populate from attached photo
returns 12:00
